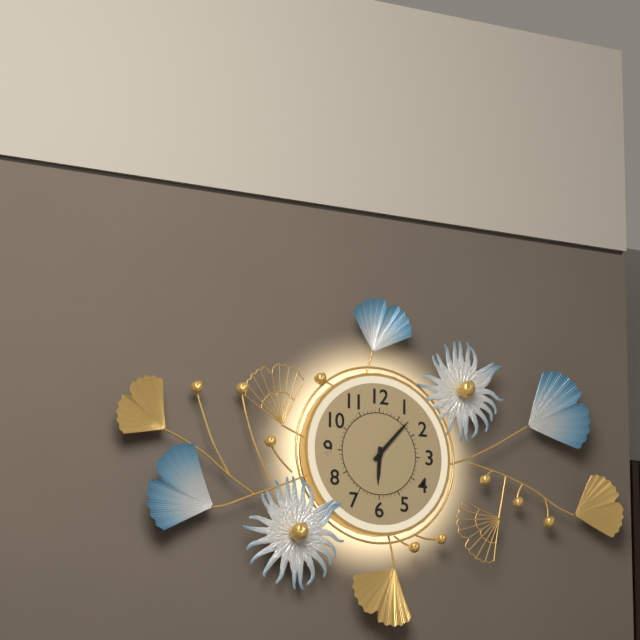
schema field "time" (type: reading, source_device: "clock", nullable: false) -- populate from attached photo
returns 6:07
